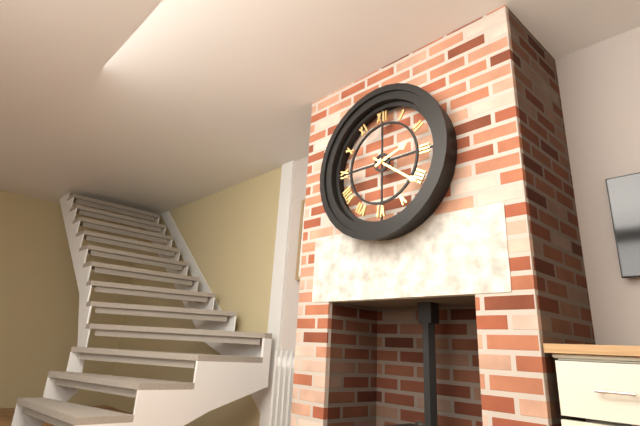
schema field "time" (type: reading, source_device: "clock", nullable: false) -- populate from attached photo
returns 2:21
